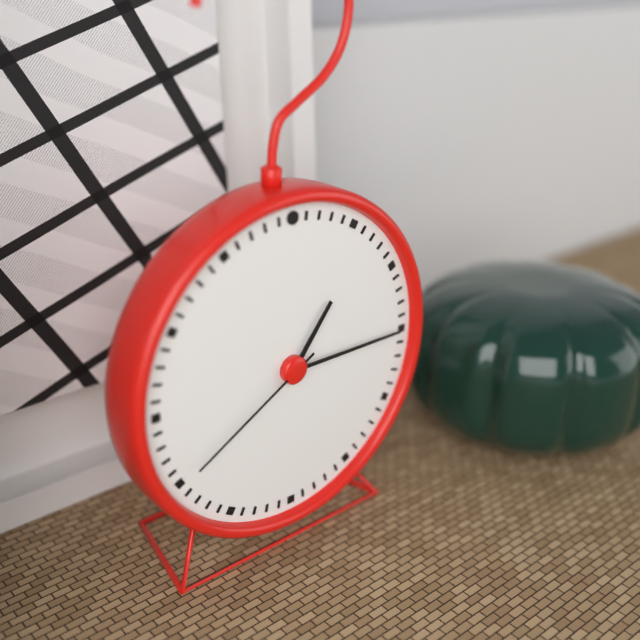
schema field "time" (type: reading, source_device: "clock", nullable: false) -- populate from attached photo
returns 1:15:40
